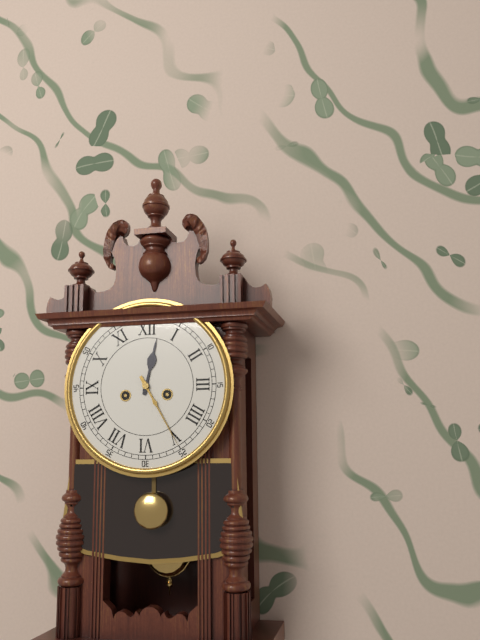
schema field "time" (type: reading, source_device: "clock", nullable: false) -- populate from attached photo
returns 12:25
